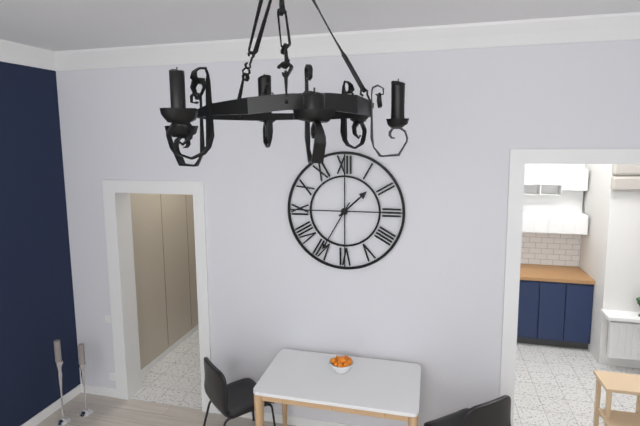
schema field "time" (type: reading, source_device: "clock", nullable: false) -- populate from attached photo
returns 1:35
